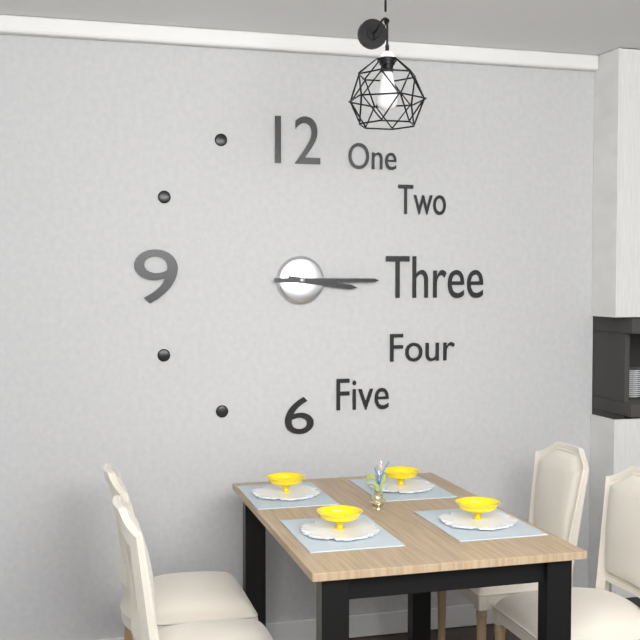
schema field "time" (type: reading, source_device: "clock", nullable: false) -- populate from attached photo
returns 3:15
